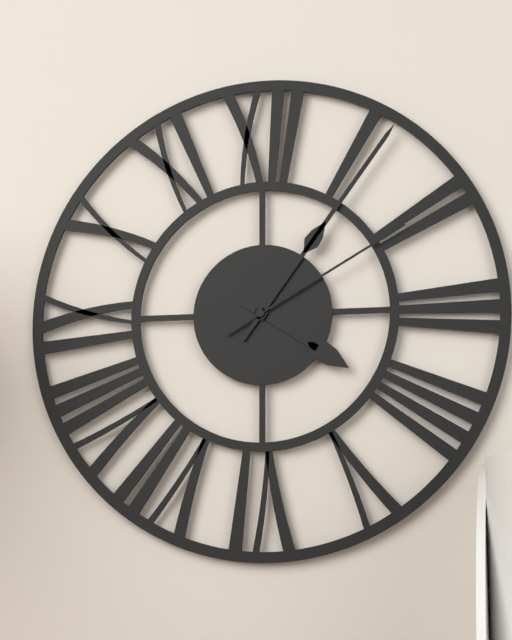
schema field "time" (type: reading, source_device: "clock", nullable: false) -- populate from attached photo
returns 4:06:10
